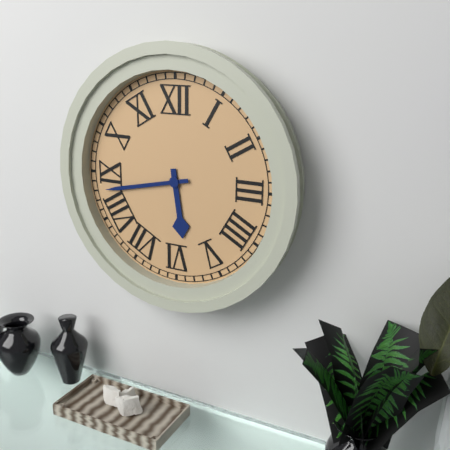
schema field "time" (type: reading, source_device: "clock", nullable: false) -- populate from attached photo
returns 5:43
